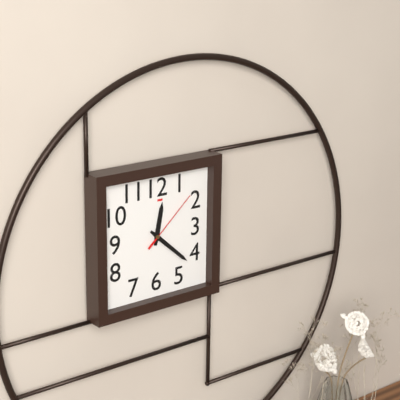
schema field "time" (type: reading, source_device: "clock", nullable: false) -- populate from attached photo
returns 12:22:08
